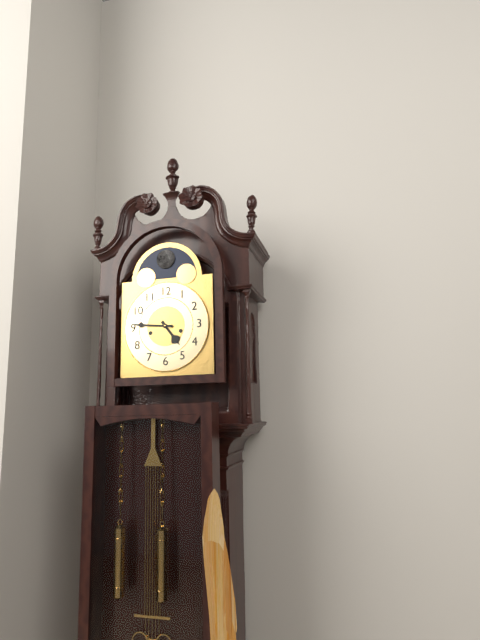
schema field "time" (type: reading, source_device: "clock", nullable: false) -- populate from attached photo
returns 4:46
